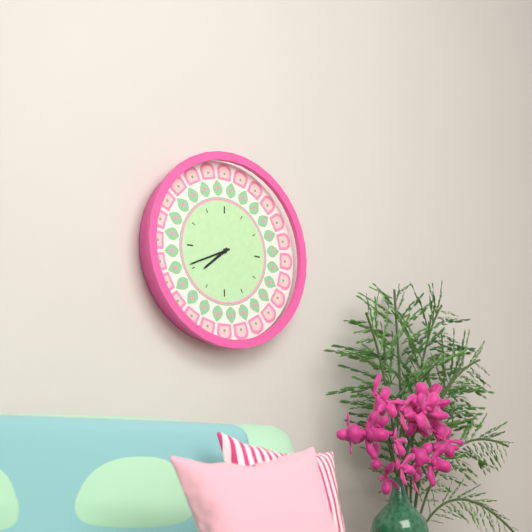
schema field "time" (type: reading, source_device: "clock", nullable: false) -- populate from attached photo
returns 7:41
